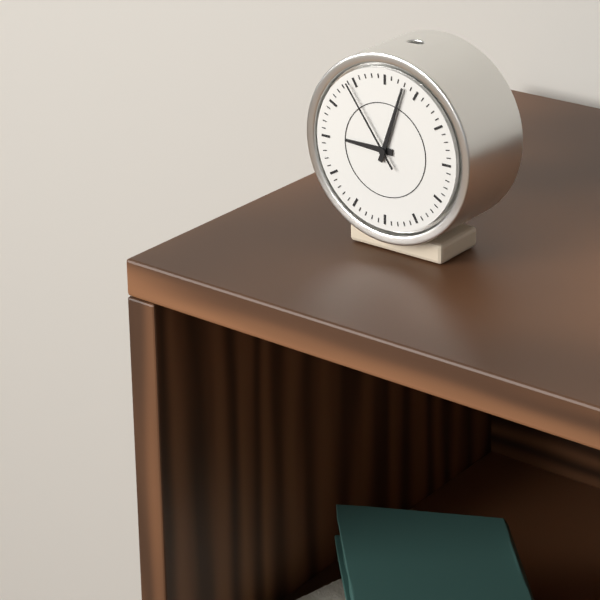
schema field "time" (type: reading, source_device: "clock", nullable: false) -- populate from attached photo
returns 9:03:54
